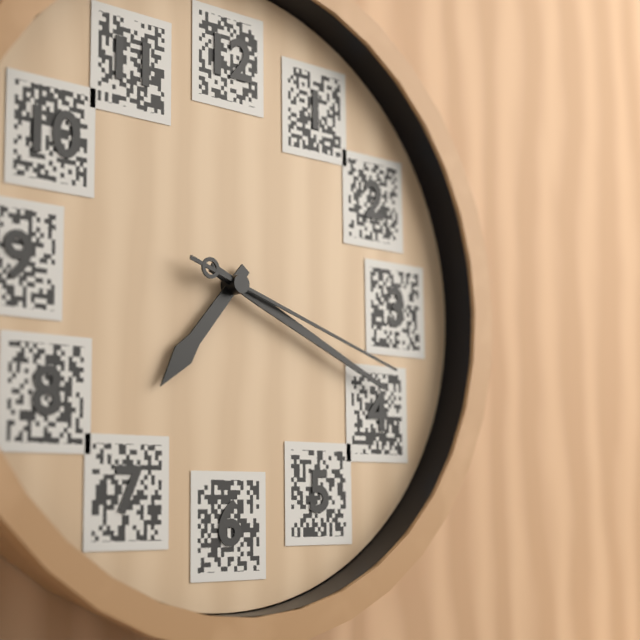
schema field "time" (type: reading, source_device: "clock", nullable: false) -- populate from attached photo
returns 7:19:18
